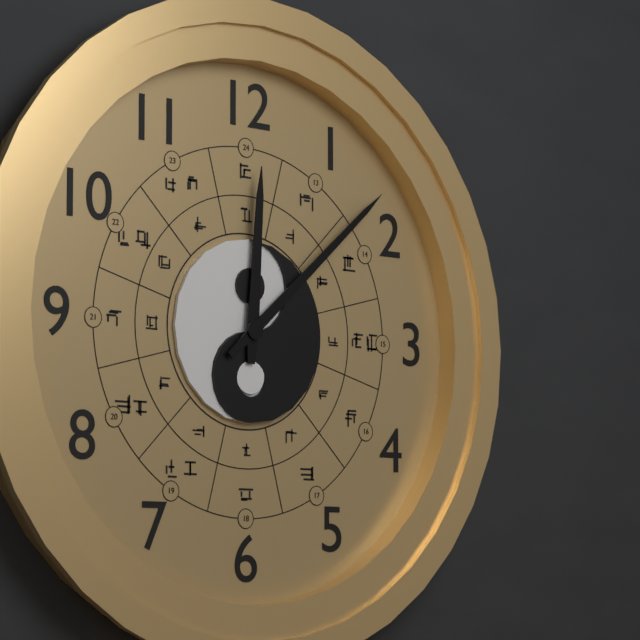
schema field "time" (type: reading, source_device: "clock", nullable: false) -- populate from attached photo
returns 12:08
